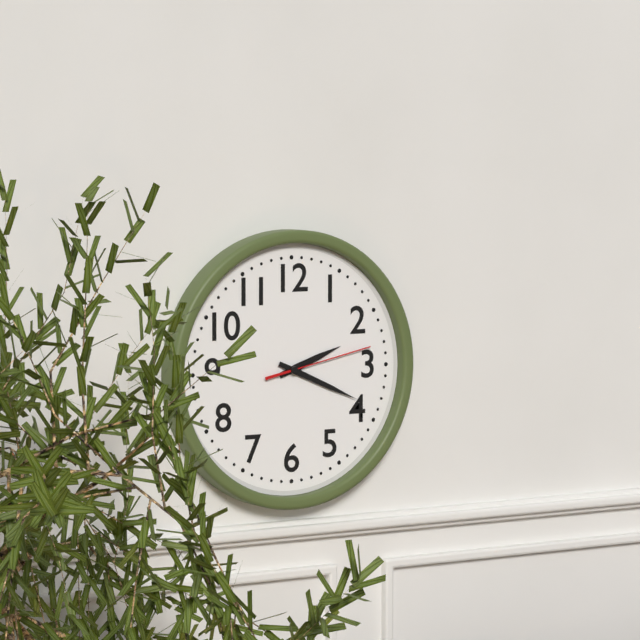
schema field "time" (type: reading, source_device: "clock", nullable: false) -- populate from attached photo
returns 2:19:13
